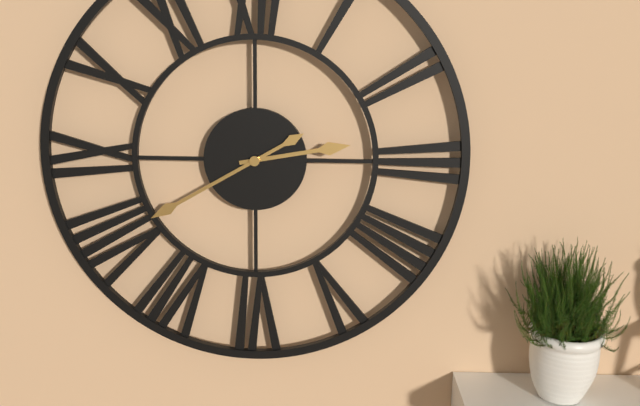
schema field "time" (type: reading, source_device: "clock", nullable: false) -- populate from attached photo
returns 2:40
